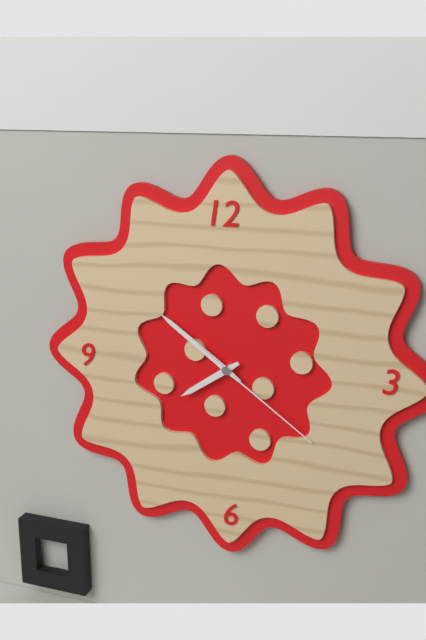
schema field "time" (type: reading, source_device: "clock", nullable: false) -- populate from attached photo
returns 7:51:21
